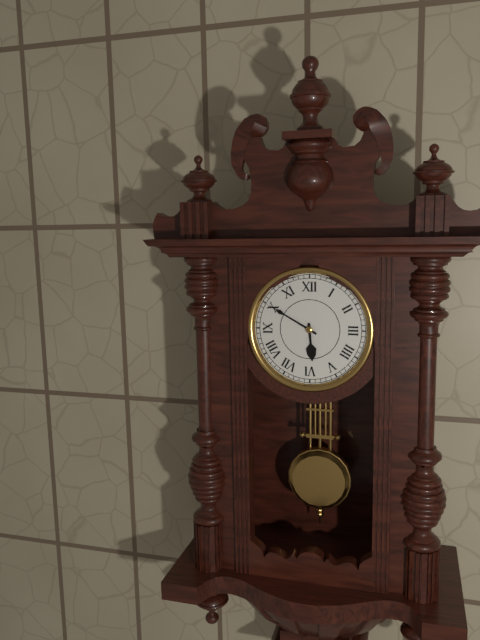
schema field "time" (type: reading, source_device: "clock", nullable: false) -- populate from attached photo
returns 5:50
